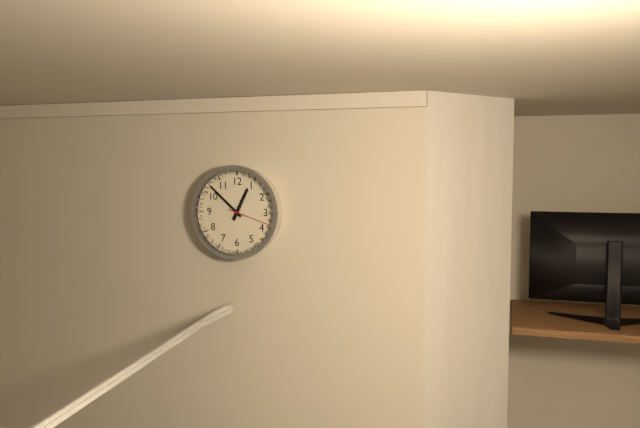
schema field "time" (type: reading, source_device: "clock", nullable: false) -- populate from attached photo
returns 12:52
